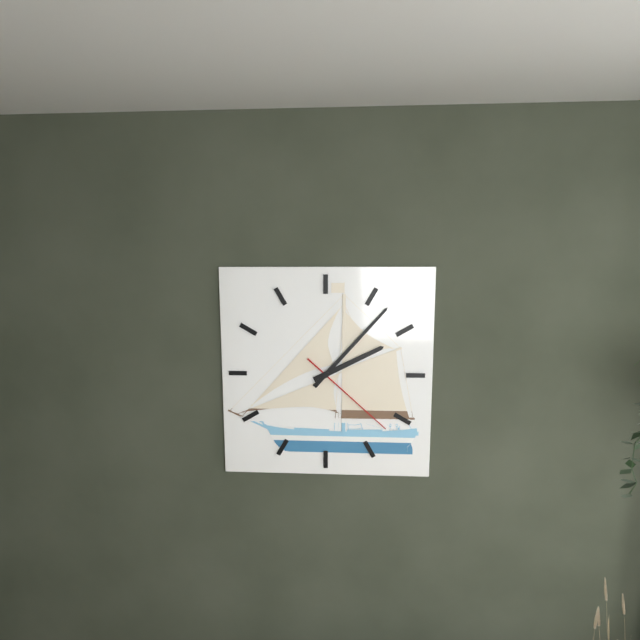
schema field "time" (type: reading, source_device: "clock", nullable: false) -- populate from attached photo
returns 2:07:22
